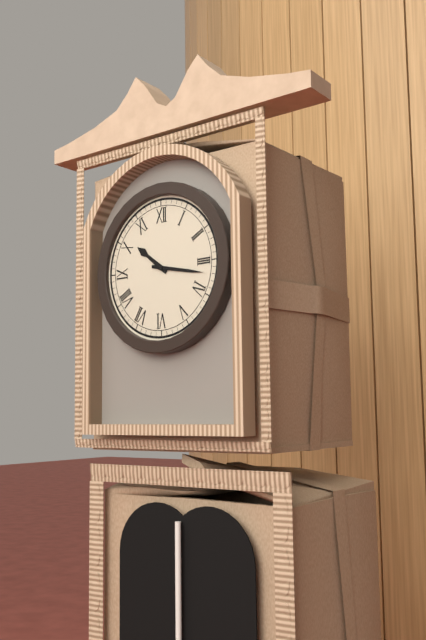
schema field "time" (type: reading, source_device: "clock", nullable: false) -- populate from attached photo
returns 10:17
